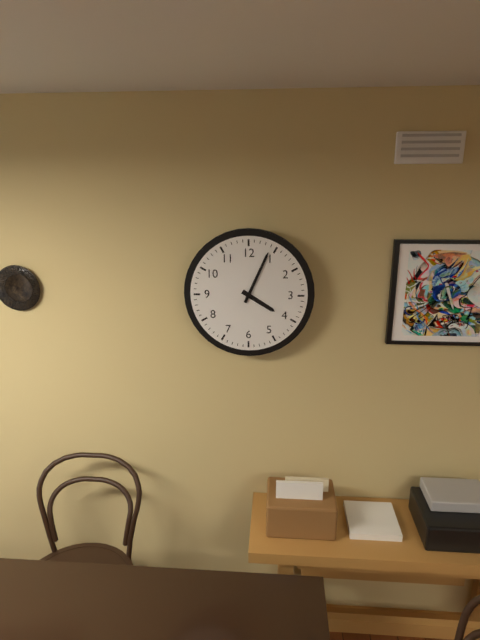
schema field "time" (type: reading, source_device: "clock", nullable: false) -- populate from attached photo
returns 4:04
